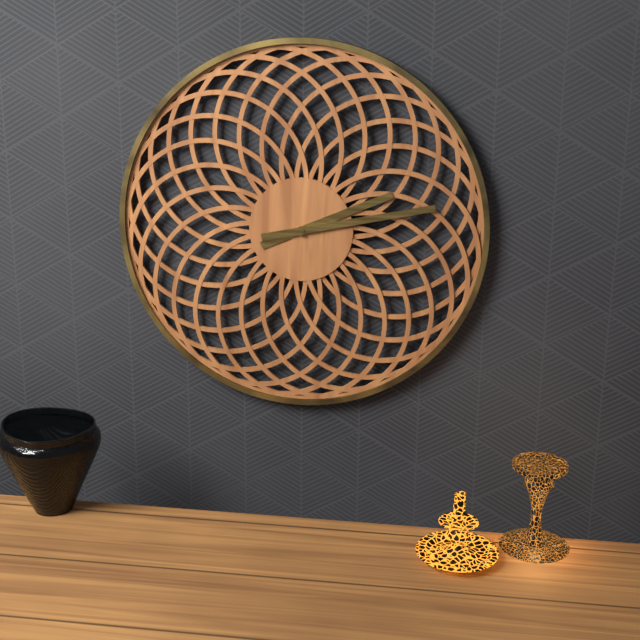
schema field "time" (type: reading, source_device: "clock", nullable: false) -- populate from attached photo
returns 2:13
